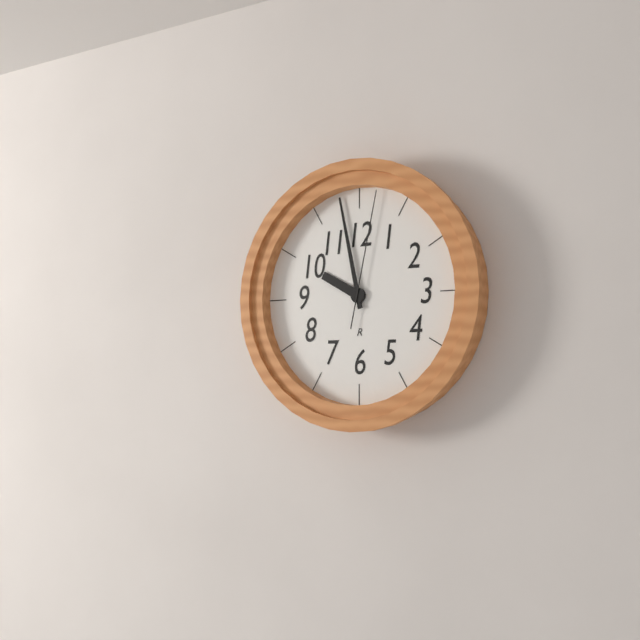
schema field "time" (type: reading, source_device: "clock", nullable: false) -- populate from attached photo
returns 9:58:02
